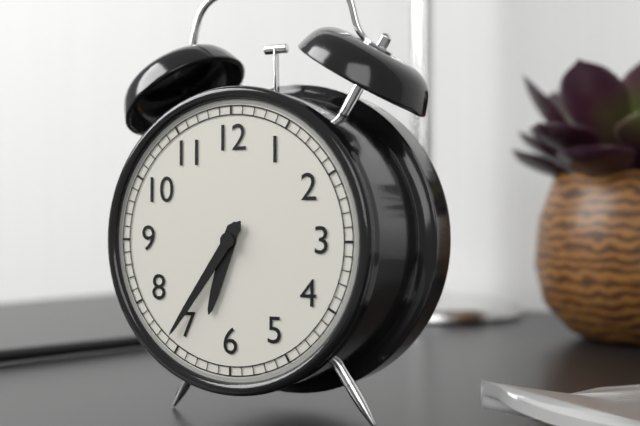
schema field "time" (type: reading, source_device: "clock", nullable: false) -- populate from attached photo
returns 6:36
